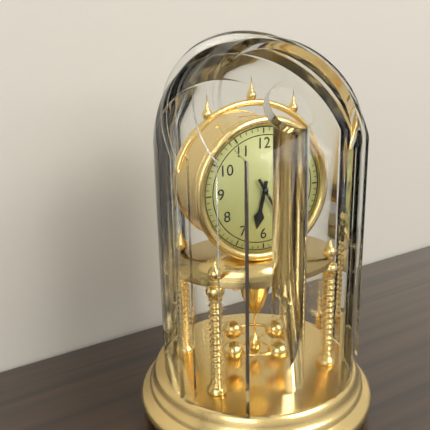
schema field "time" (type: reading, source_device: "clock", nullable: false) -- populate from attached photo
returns 6:25
